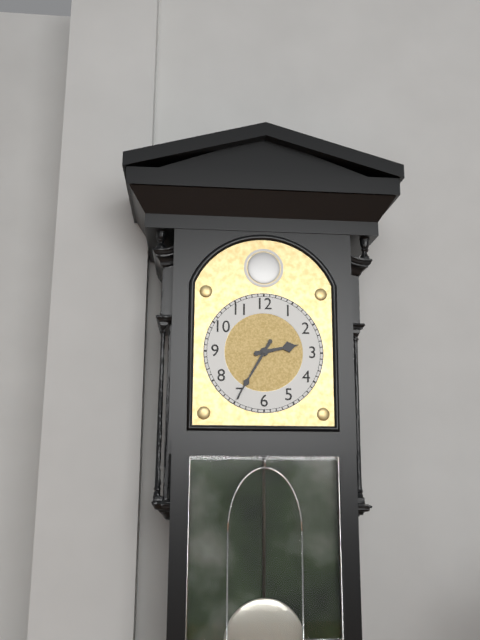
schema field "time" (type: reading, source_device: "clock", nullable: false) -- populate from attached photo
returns 2:35
